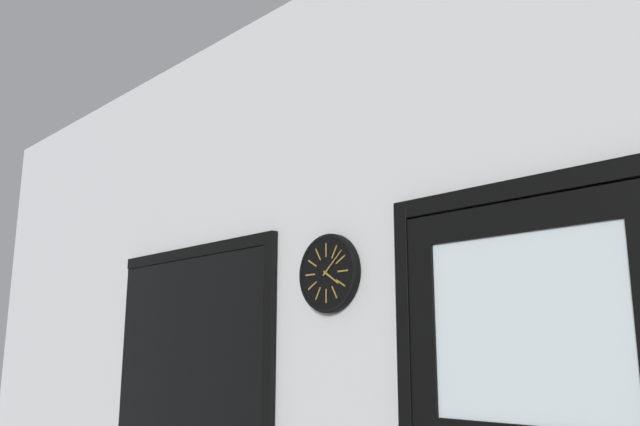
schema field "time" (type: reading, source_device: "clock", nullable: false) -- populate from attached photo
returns 4:08
